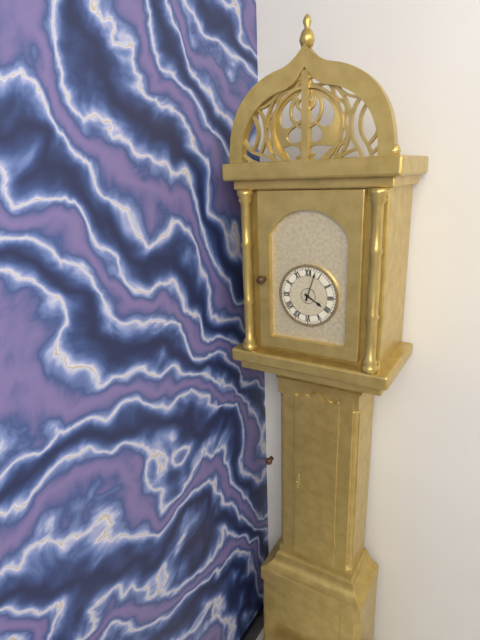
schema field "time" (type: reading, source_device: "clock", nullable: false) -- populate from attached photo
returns 4:03
